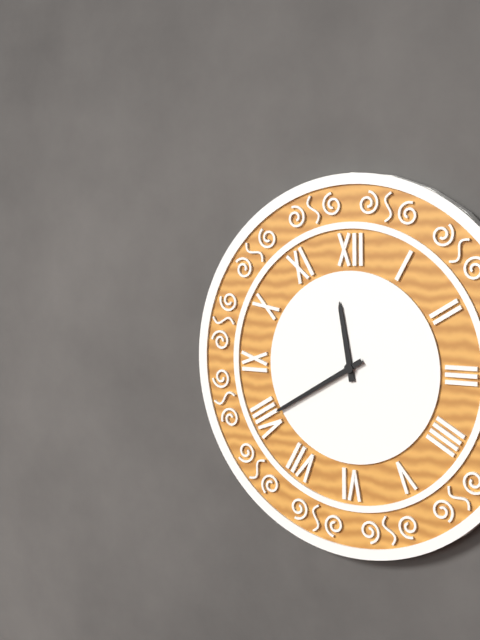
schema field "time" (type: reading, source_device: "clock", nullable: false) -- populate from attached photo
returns 11:40
